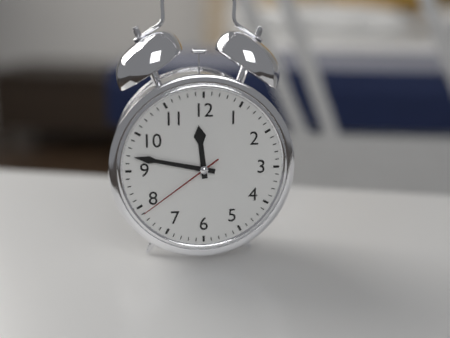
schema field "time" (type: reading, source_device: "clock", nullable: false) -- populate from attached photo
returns 11:47:39
